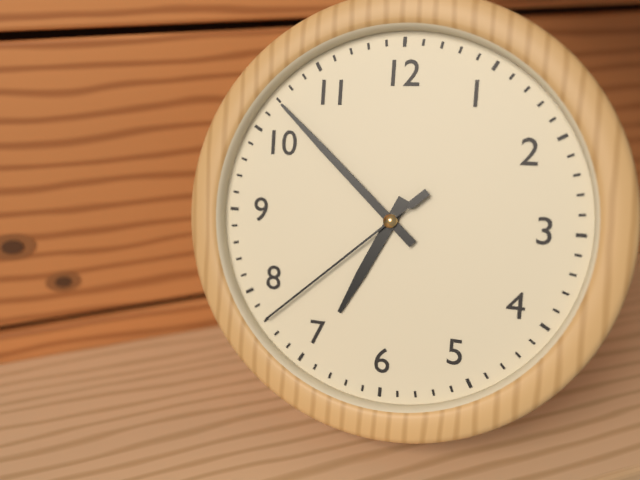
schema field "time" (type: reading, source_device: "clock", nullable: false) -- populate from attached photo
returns 6:52:38
